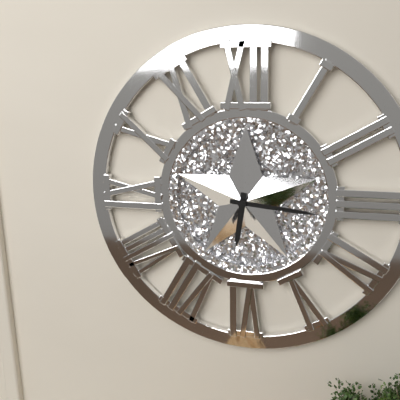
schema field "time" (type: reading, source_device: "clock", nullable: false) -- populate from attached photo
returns 6:16
